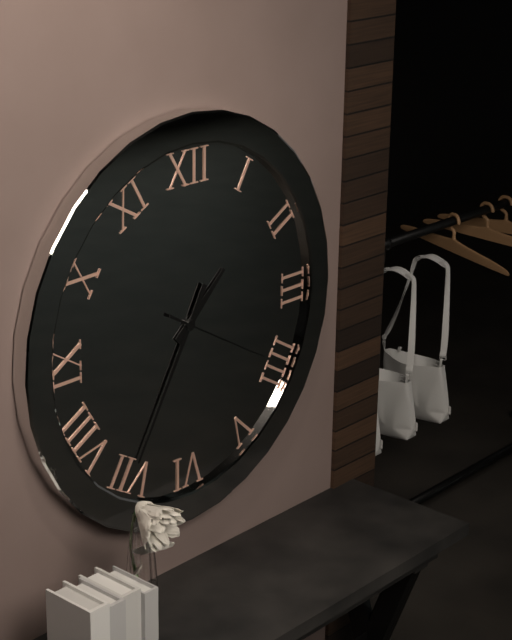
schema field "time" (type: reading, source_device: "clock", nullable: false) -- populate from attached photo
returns 1:35:20
